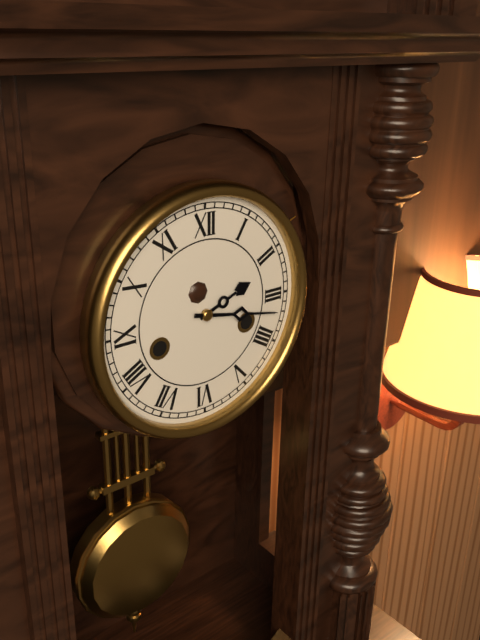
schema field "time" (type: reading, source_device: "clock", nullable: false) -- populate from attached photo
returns 2:17
